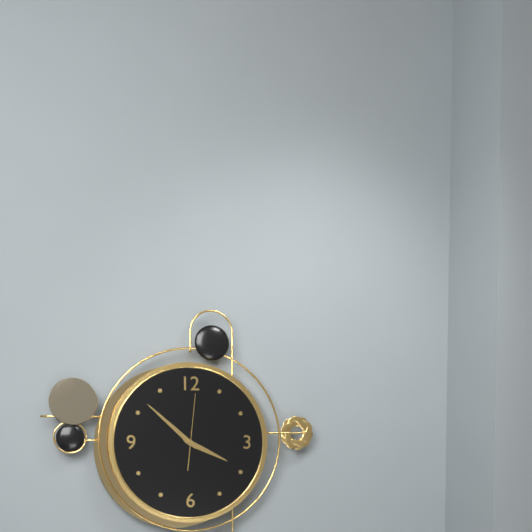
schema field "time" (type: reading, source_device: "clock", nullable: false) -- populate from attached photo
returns 3:52:01
